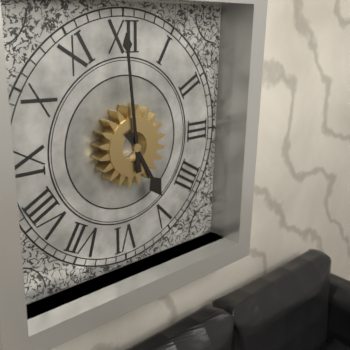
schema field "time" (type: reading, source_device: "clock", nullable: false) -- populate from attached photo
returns 4:59
